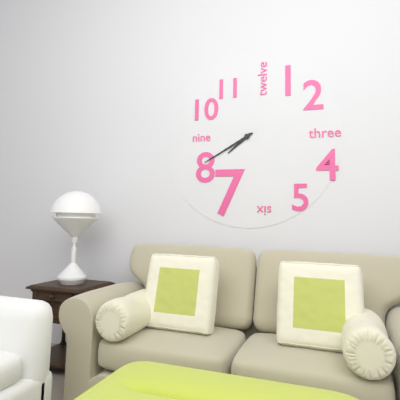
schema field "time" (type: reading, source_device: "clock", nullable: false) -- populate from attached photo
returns 7:40
